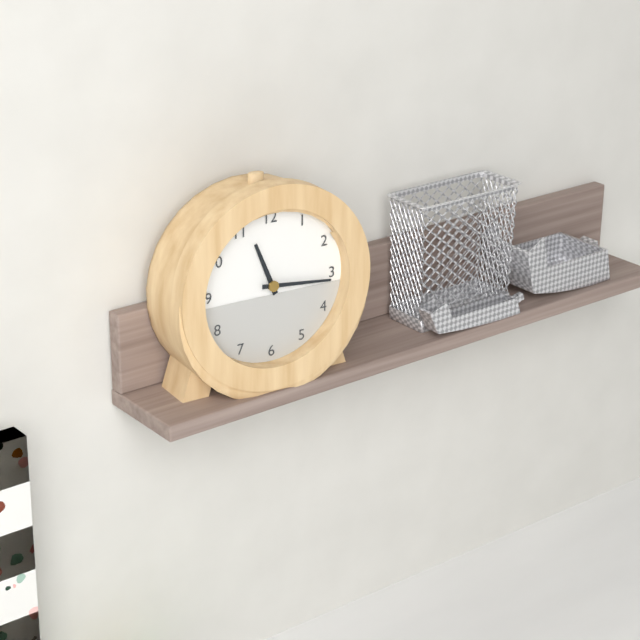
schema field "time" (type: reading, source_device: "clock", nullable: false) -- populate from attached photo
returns 11:16
